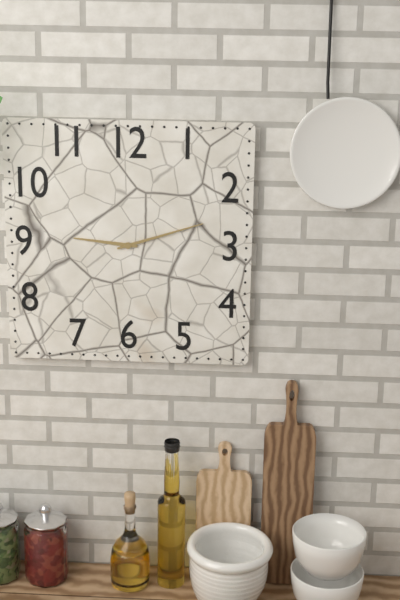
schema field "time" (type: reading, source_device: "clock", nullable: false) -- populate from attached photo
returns 9:12
